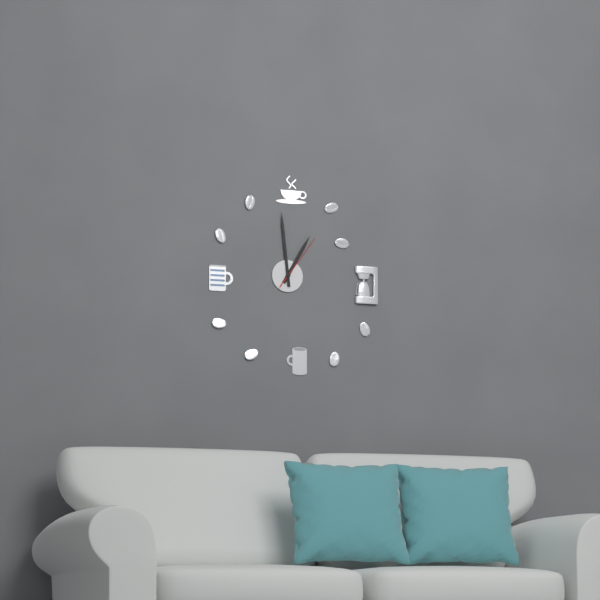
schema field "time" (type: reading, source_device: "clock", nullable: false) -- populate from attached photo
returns 12:59:06
